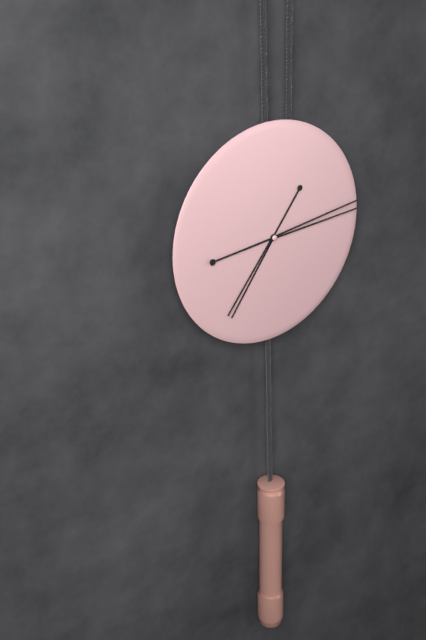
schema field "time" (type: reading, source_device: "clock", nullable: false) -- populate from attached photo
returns 7:14
